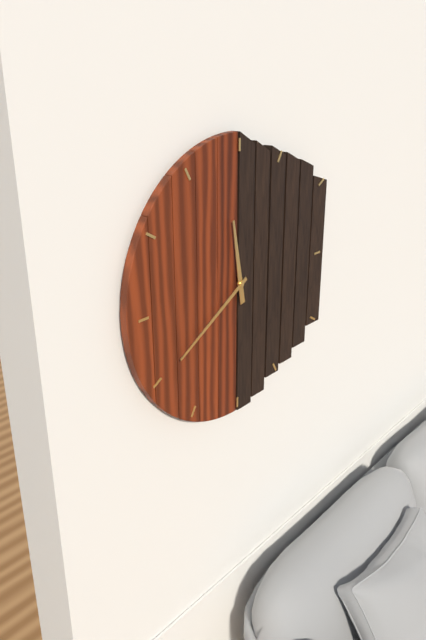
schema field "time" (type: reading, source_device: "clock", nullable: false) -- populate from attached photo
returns 11:40
